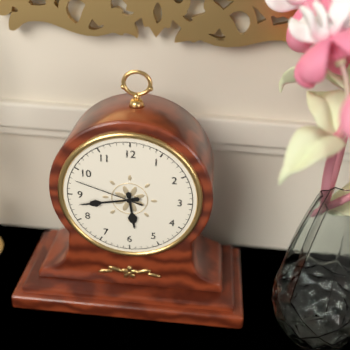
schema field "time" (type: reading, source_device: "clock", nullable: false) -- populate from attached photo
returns 5:43:48
